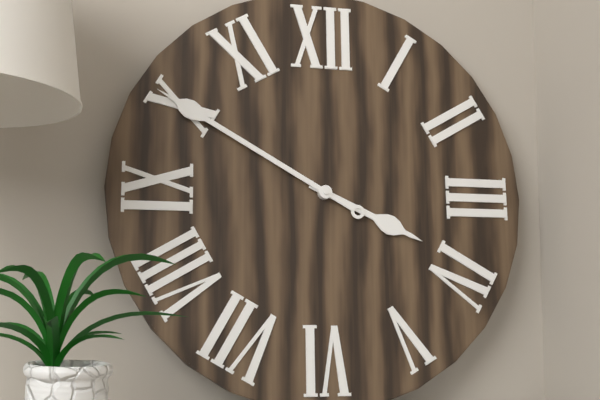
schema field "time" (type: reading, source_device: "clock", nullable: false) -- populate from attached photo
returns 3:50
